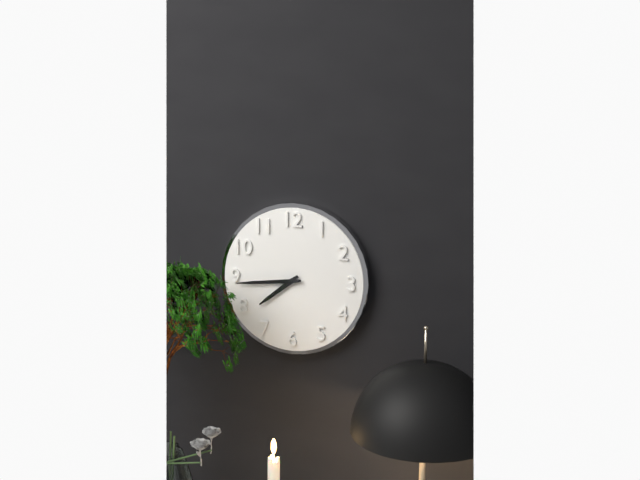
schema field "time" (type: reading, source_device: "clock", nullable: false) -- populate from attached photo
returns 7:44
